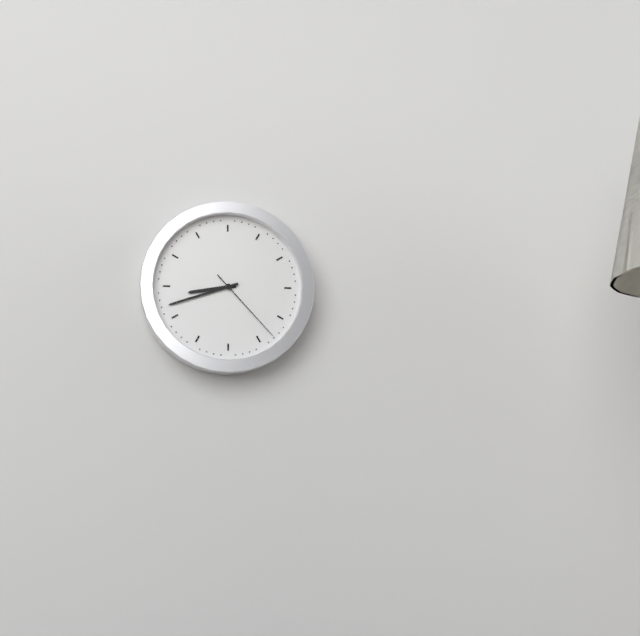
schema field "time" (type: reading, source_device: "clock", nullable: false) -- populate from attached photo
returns 8:42:23
